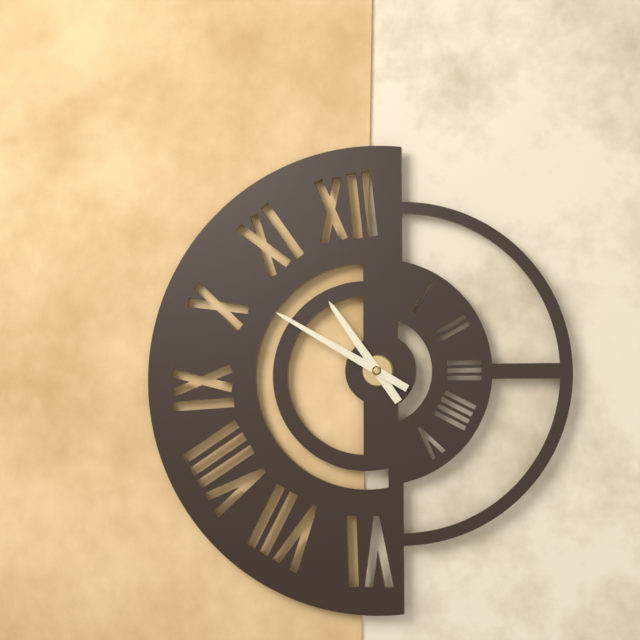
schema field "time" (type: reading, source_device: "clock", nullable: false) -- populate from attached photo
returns 10:50
